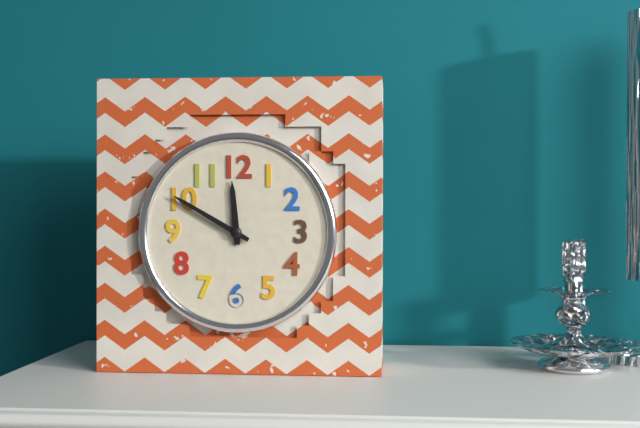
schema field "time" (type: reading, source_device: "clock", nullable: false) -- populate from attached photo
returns 11:50
